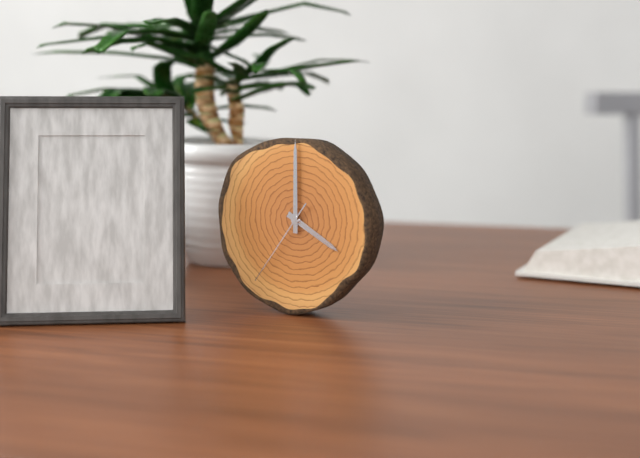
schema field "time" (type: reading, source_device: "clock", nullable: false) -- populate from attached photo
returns 4:00:36
